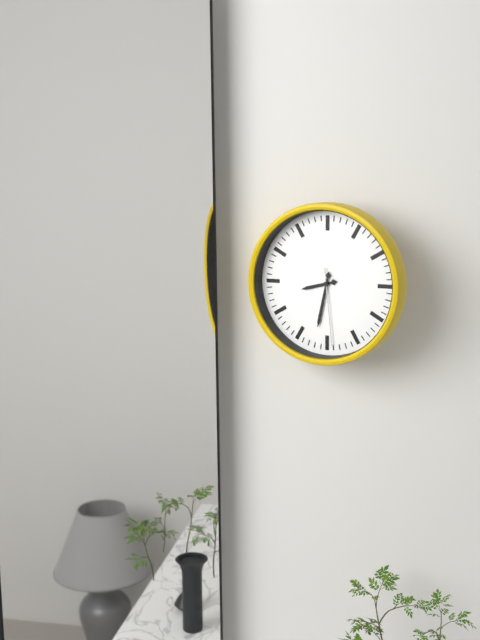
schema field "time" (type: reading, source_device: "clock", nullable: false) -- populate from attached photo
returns 8:32:29
